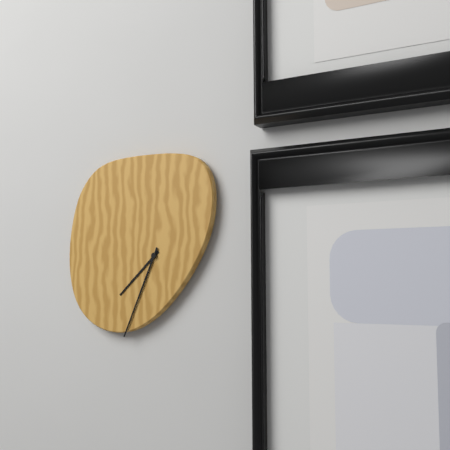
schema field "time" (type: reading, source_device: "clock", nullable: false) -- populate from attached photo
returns 7:34
